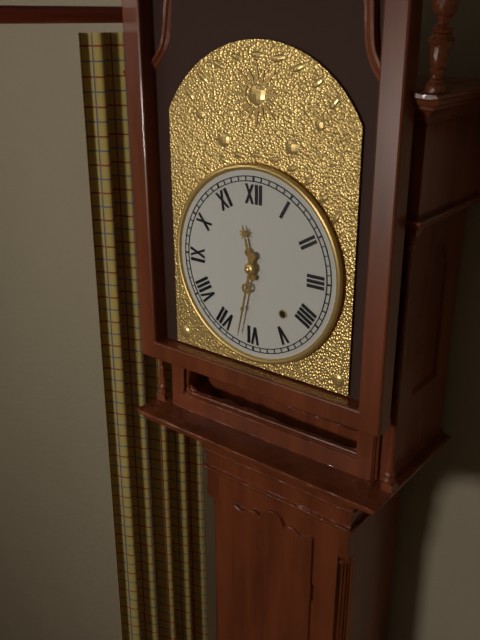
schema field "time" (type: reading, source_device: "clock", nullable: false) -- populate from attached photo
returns 11:32
